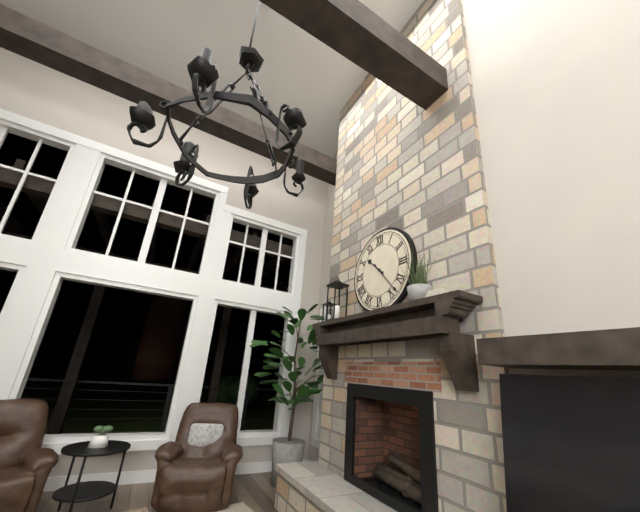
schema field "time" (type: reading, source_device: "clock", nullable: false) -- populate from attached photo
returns 10:23
